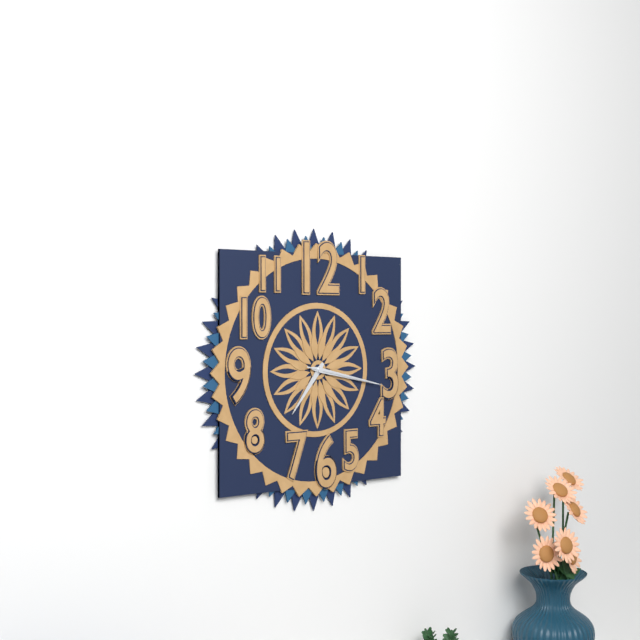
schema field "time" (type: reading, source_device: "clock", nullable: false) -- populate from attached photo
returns 7:17:17
